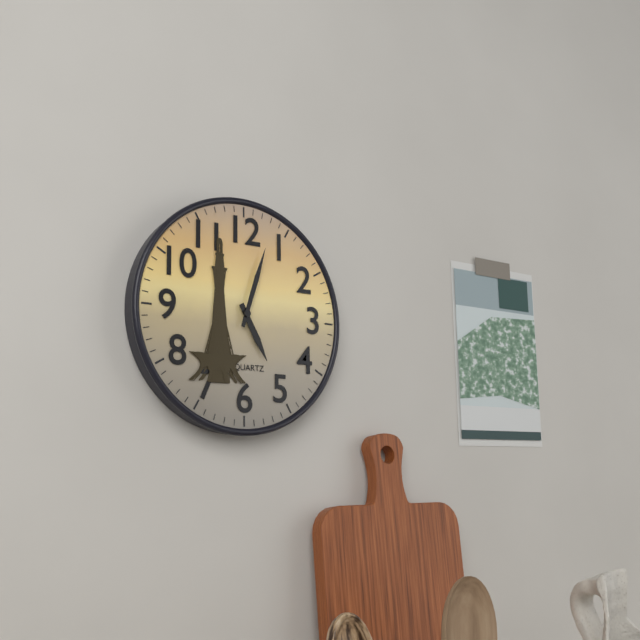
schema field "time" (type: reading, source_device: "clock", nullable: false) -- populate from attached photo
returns 5:03
